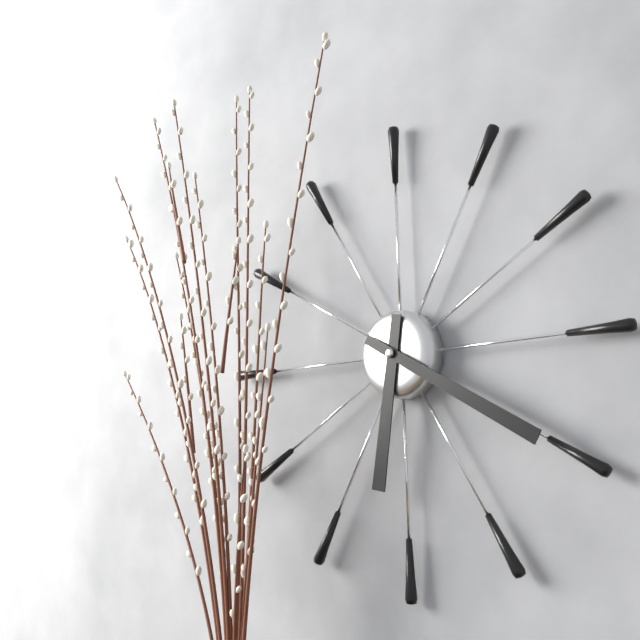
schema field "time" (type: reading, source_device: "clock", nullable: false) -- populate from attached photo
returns 6:20
